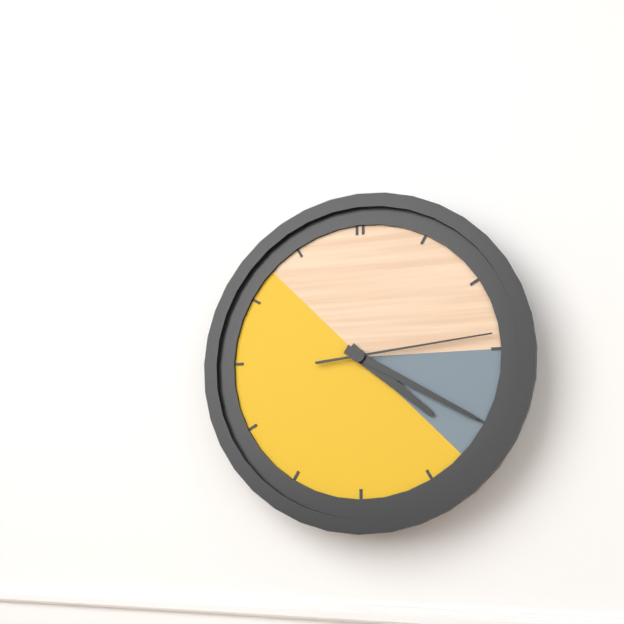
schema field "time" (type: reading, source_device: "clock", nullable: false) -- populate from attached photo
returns 4:20:14
